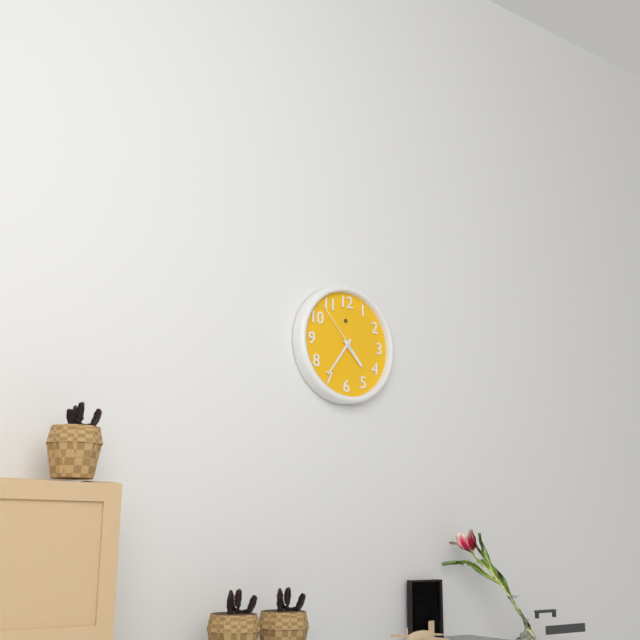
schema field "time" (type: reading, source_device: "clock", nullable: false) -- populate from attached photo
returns 4:36:53
